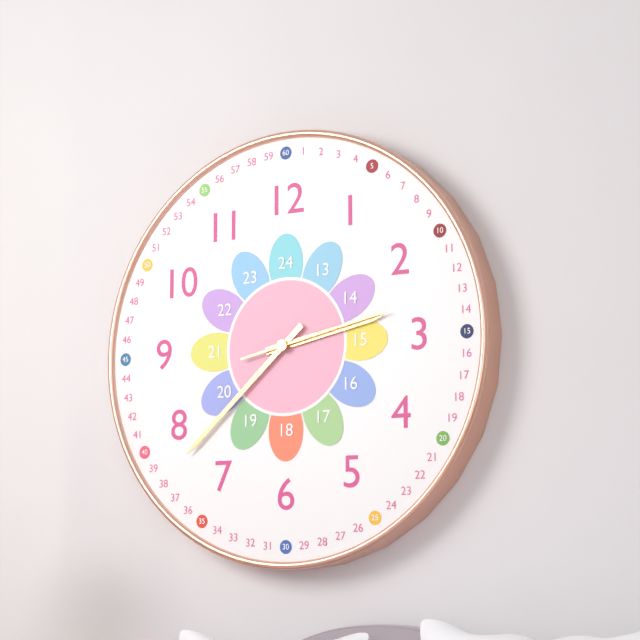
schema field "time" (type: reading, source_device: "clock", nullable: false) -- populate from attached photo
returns 2:38:13
